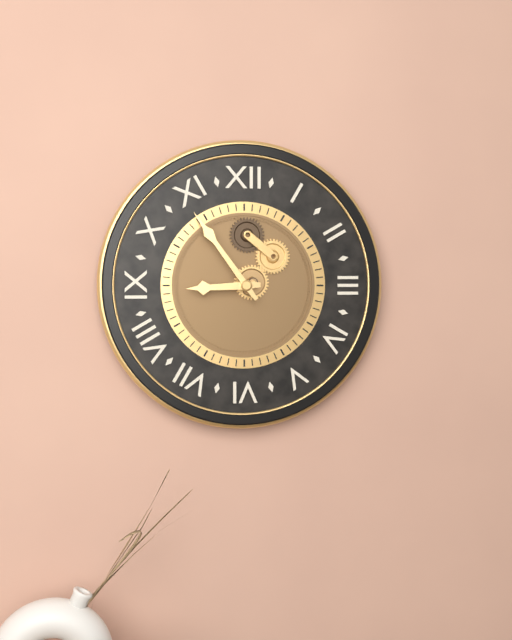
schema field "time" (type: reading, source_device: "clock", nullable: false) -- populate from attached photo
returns 8:54
